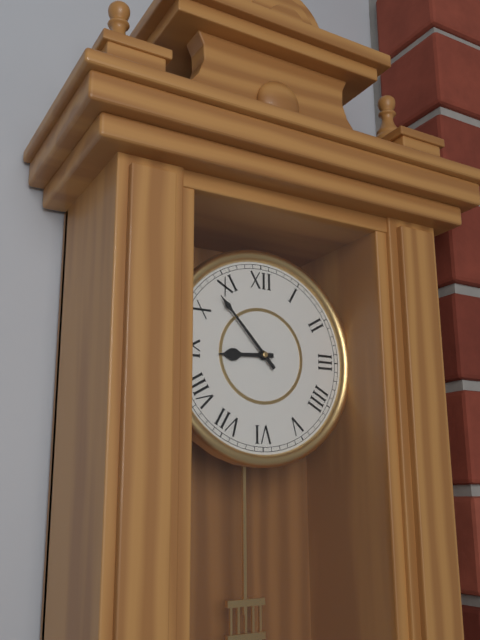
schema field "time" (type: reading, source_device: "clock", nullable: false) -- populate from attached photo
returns 8:53
